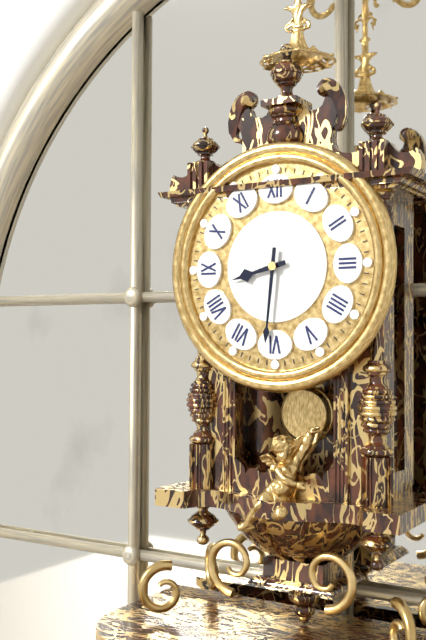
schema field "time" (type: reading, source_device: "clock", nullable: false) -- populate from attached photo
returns 8:31
